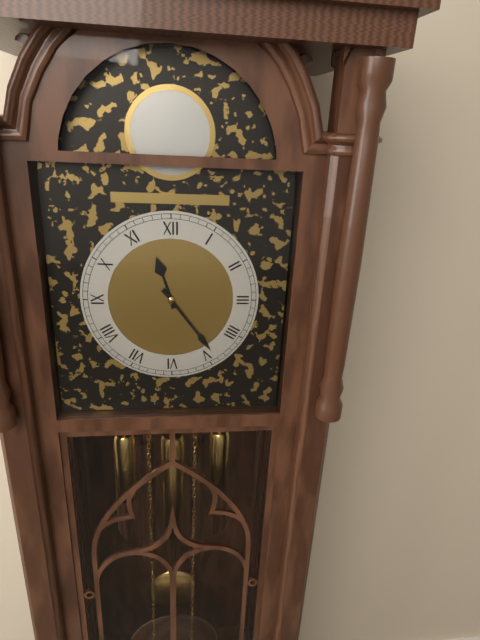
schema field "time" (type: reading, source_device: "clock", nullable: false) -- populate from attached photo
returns 11:24
